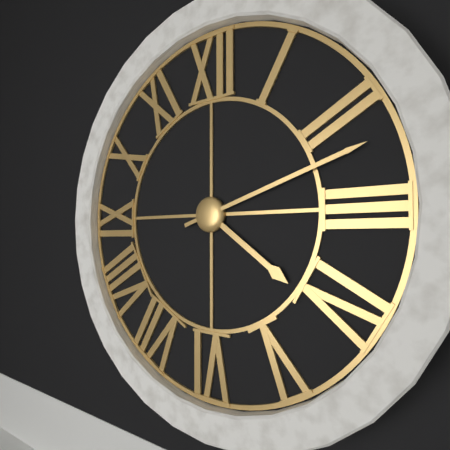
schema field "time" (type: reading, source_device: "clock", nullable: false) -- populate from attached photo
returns 4:12
